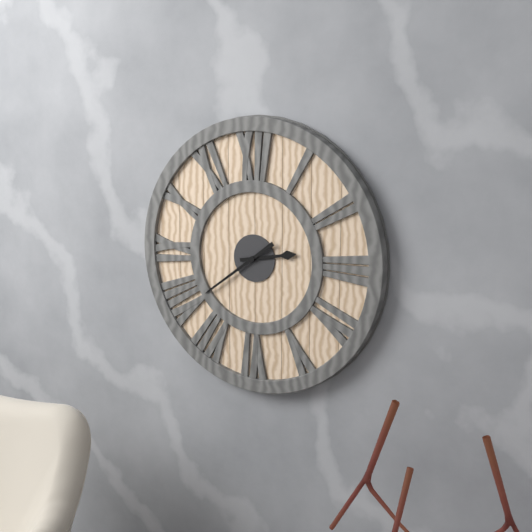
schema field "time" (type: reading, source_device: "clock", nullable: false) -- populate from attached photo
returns 2:39
